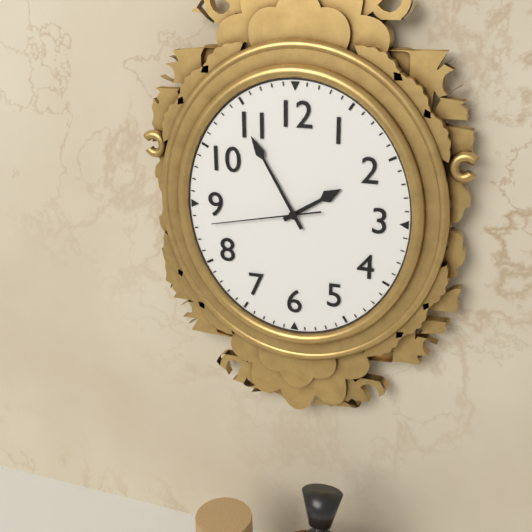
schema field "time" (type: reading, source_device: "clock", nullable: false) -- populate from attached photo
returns 1:55:43
